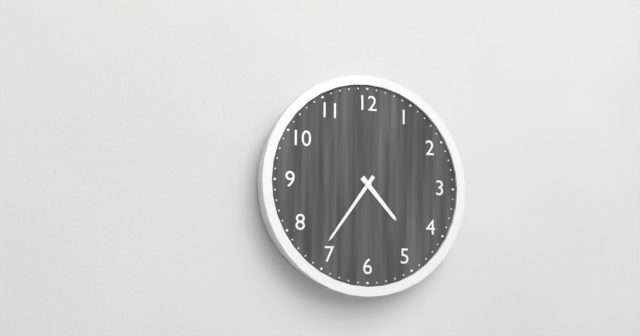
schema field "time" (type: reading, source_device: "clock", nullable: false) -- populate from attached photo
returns 4:36
